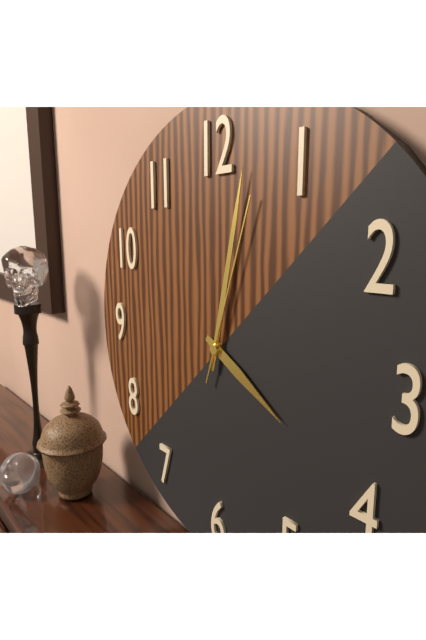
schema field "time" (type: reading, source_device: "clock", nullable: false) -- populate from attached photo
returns 4:02:03
